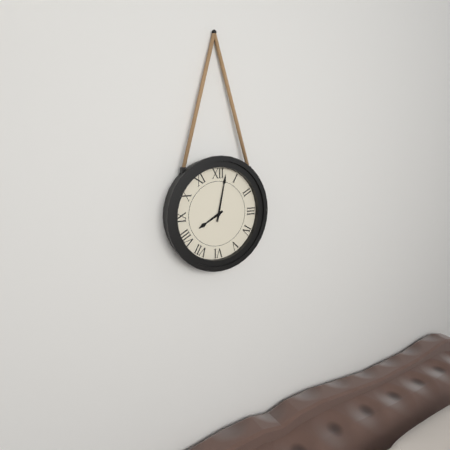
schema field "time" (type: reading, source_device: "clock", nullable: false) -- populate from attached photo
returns 8:02
